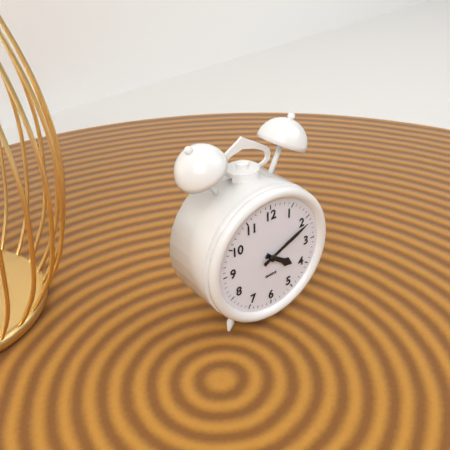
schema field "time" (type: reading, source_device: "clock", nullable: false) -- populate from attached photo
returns 4:11
